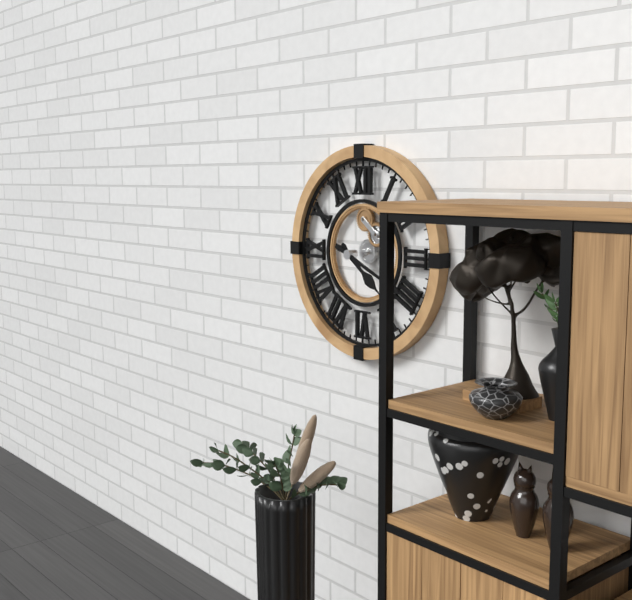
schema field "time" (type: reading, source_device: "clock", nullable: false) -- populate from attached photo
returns 4:19
